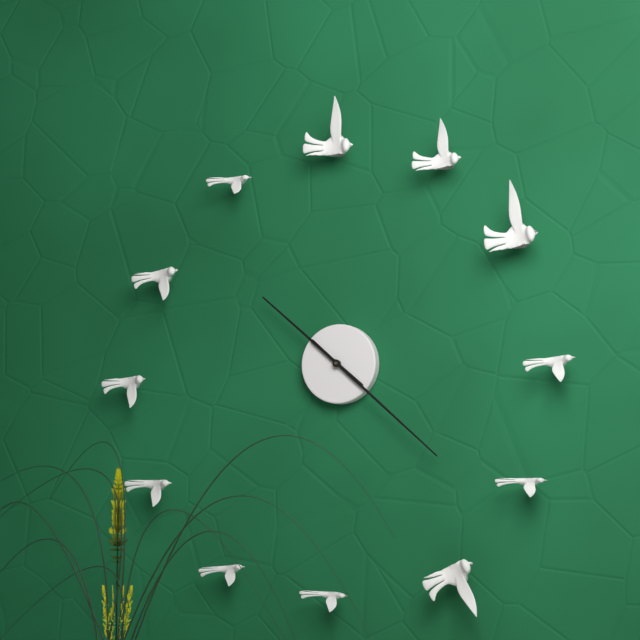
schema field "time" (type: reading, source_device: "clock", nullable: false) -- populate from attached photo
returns 10:22
